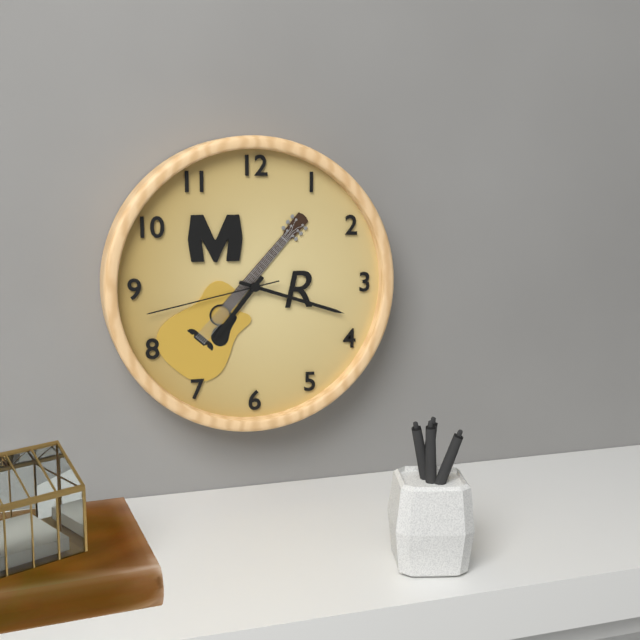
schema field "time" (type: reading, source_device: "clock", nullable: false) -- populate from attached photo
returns 7:18:43
